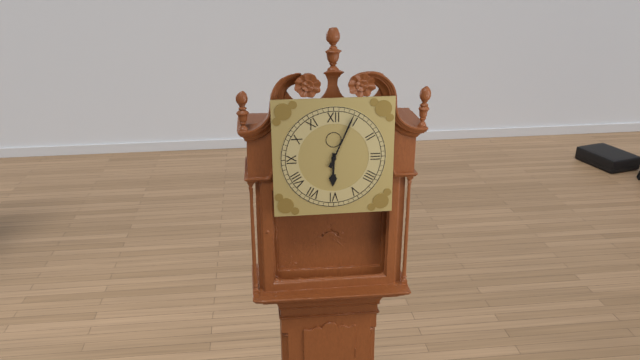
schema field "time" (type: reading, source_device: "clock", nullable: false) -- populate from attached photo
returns 6:04
